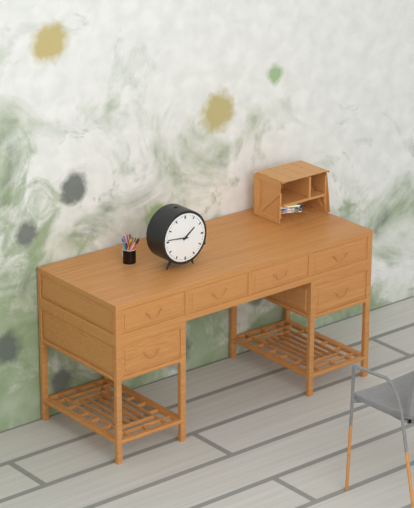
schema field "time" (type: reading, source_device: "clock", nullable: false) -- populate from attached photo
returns 1:46
